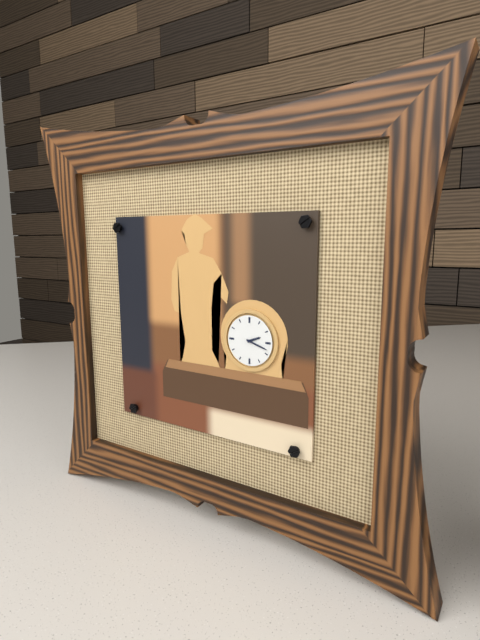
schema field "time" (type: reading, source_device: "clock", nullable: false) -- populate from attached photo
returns 2:18
